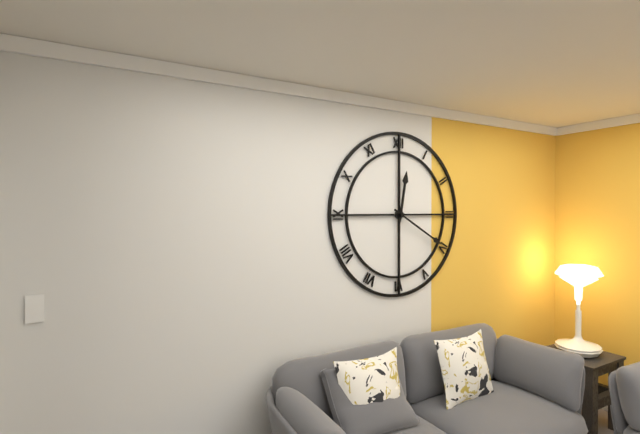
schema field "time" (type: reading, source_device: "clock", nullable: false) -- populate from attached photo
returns 12:20
